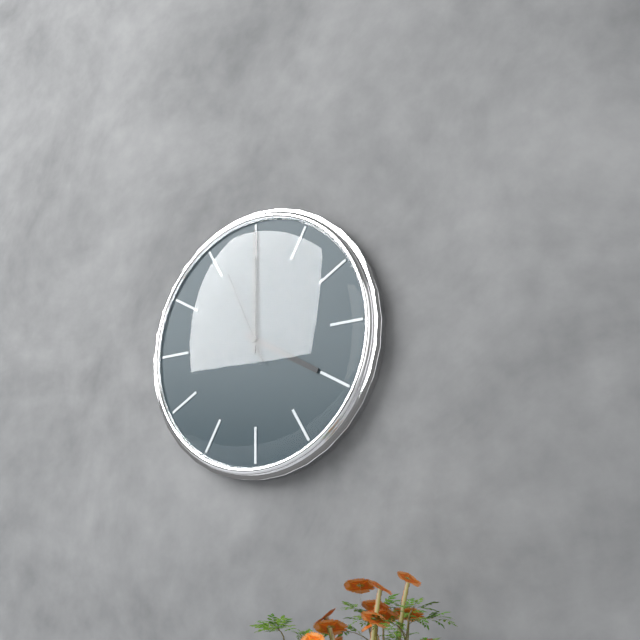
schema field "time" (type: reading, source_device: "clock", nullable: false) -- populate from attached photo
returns 4:00:56
